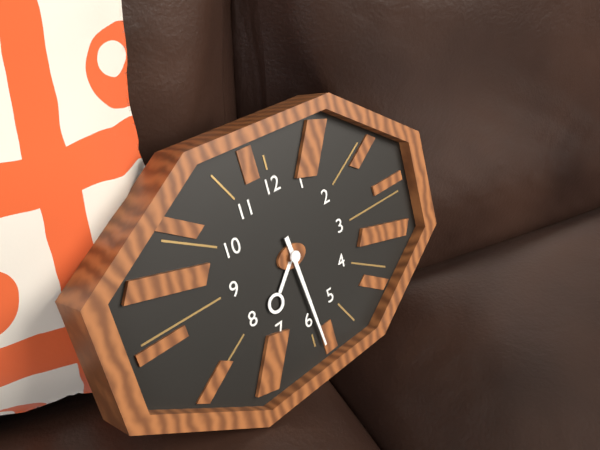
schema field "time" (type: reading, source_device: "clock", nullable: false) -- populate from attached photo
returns 7:29
